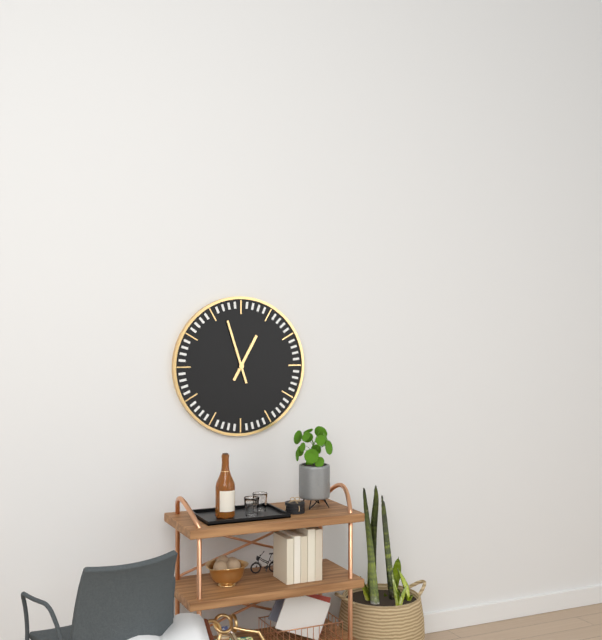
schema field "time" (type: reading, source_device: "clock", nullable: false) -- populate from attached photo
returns 12:57
